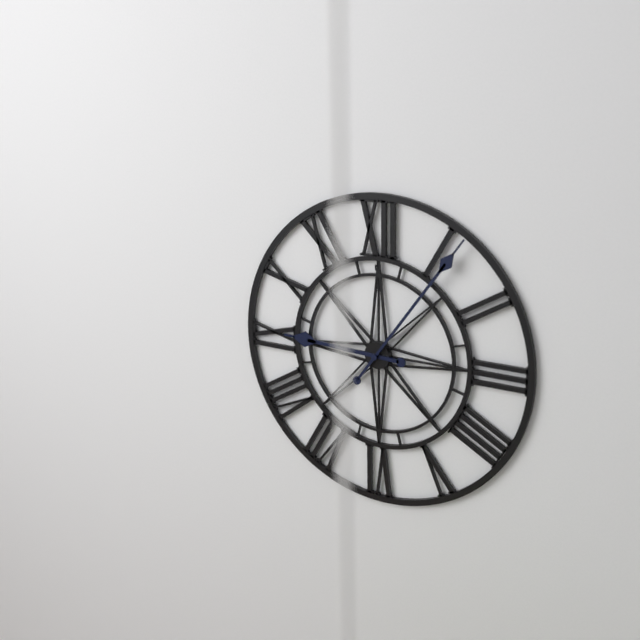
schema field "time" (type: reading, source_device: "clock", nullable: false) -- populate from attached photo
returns 9:06
